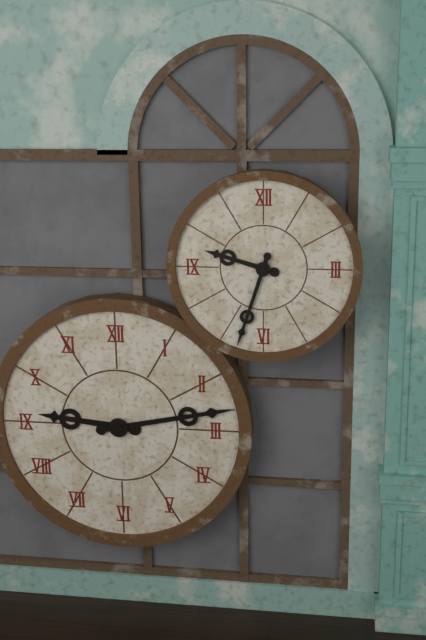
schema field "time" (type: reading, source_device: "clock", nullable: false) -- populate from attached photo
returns 9:33
